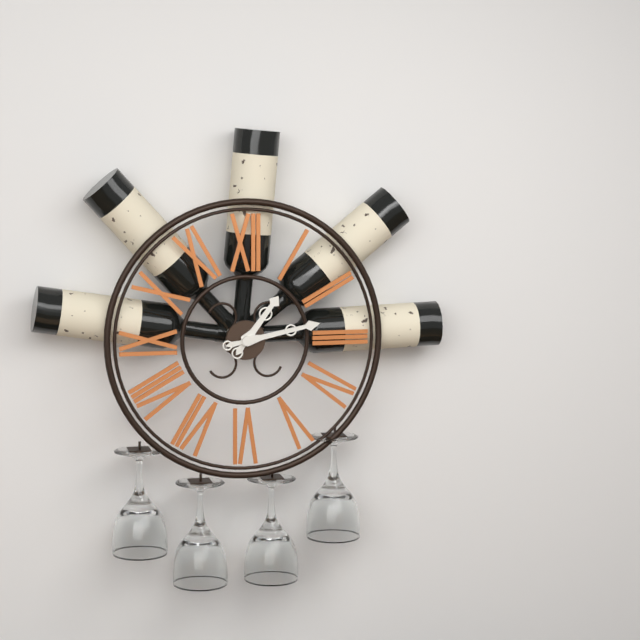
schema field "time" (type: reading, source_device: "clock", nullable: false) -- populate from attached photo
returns 1:13
